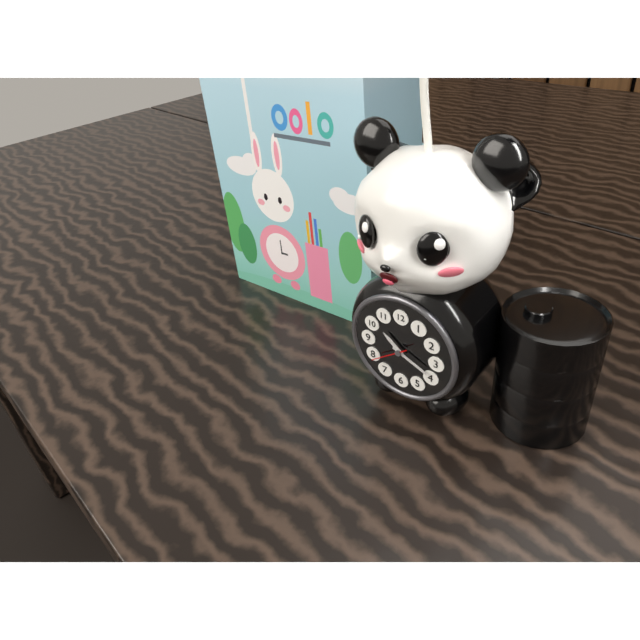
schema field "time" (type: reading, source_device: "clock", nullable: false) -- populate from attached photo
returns 10:19
